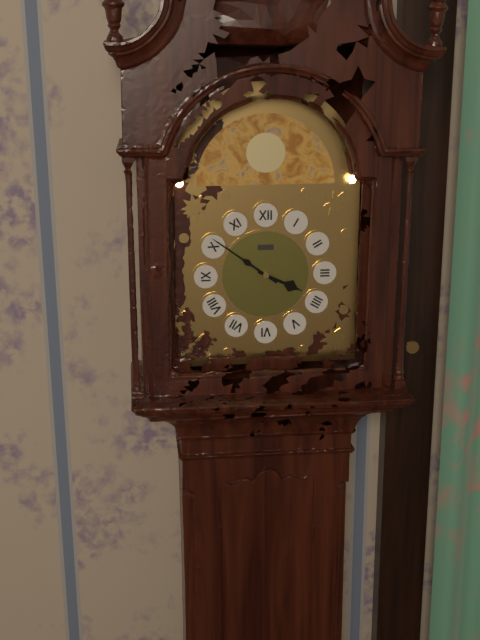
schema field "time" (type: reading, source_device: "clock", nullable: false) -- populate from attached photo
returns 3:51
